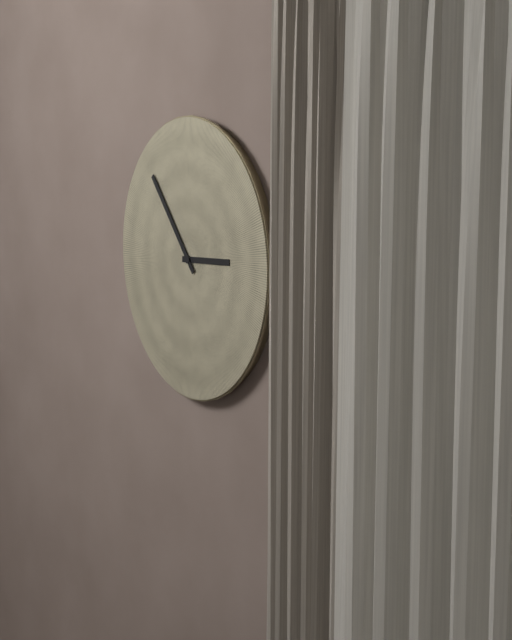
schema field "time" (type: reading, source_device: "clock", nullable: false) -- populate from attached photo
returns 2:53
